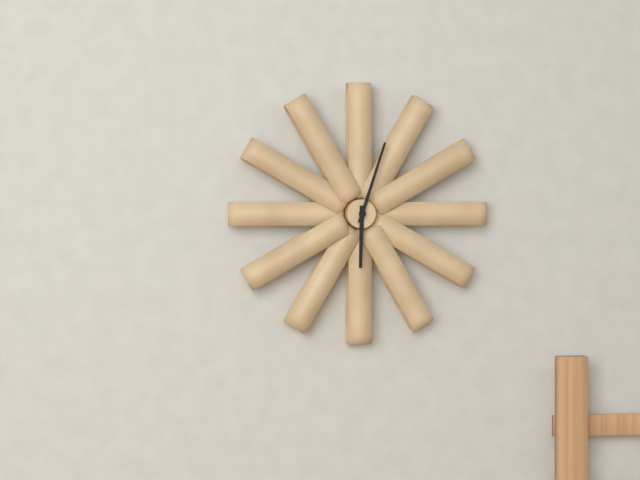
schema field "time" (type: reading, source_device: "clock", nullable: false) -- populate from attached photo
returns 6:03
